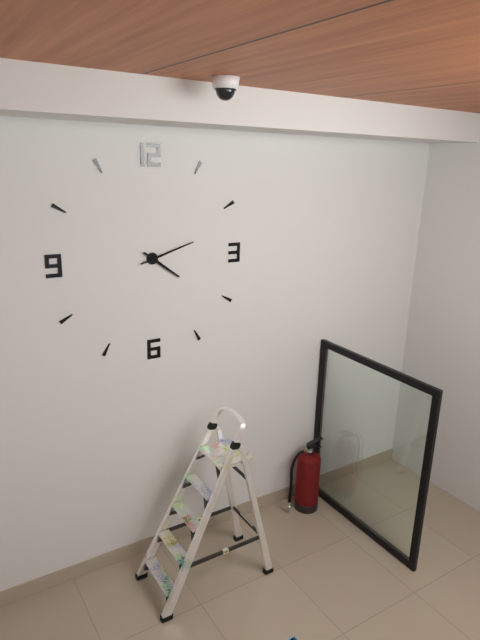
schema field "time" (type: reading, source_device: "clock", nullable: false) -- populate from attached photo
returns 4:12
